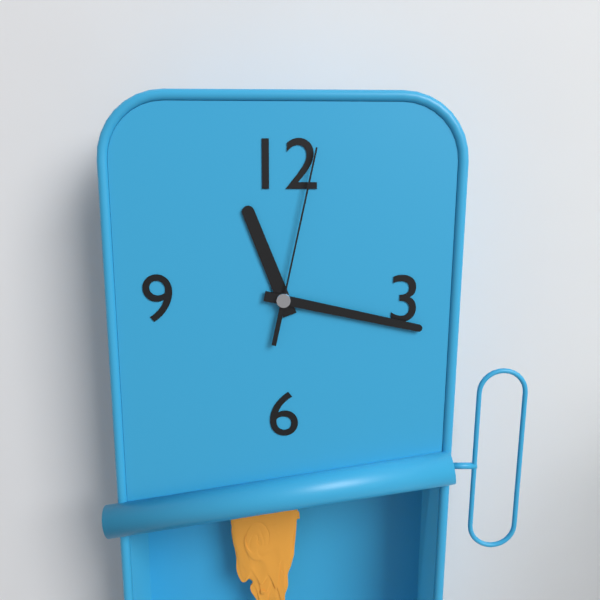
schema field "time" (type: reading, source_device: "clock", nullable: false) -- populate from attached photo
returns 11:17:02
